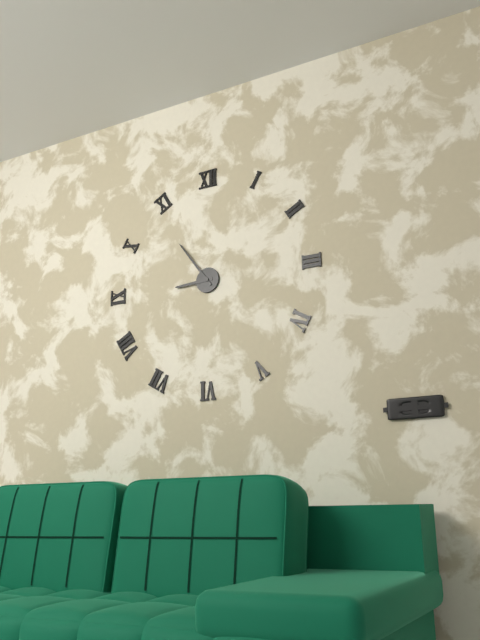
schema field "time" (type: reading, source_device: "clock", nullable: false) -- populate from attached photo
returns 8:54
